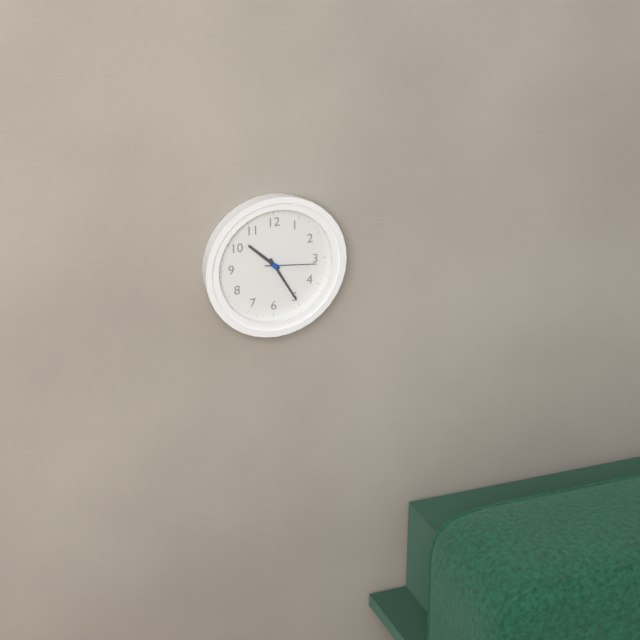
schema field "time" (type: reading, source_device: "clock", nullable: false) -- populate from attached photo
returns 10:25:16
